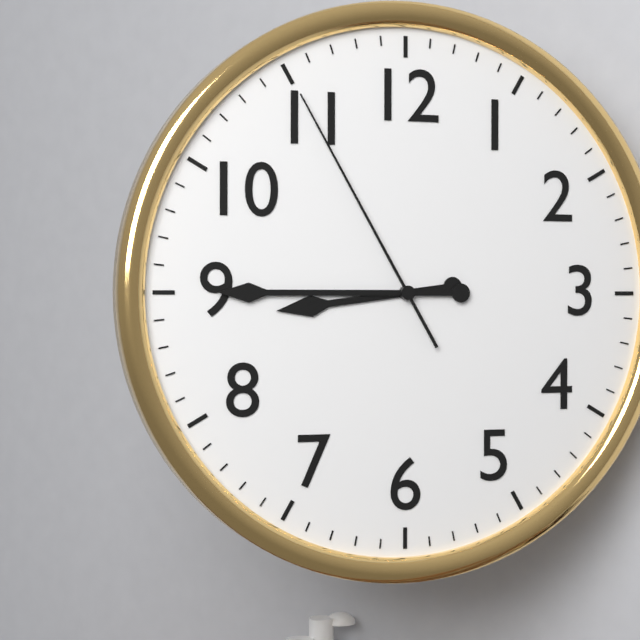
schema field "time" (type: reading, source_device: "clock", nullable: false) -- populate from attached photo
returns 8:45:55
